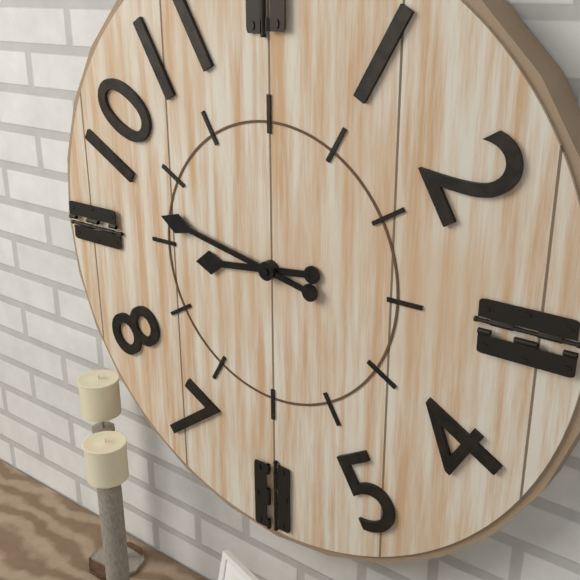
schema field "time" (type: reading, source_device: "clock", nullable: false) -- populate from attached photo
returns 8:47
